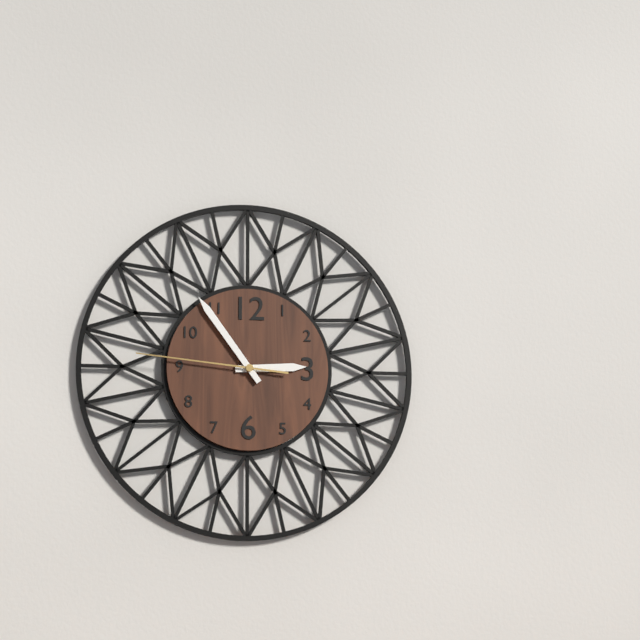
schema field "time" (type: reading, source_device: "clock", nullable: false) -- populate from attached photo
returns 2:54:46
